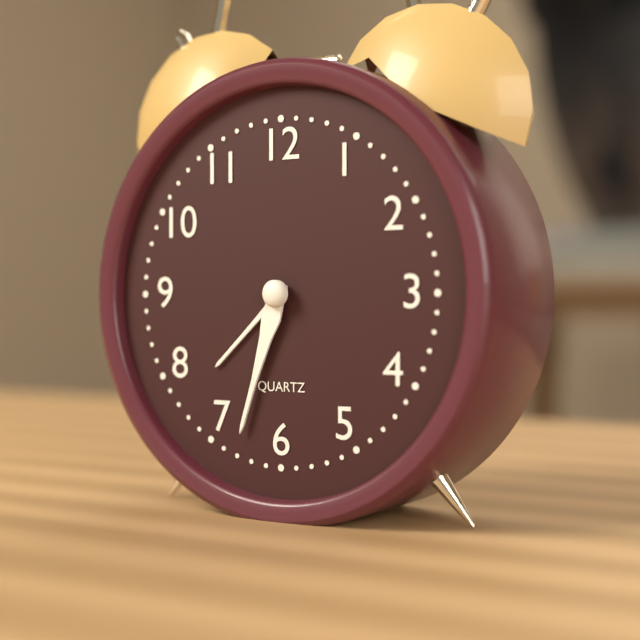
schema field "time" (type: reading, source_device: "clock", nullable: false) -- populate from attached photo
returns 7:33
